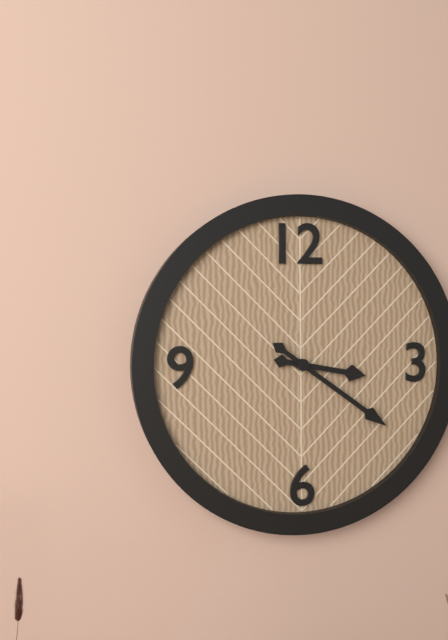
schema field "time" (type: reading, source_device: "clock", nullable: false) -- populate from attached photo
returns 3:21
